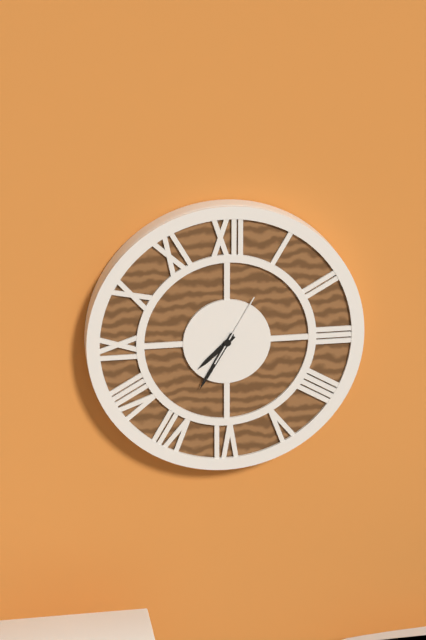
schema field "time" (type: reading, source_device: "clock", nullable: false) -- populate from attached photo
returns 7:35:05
